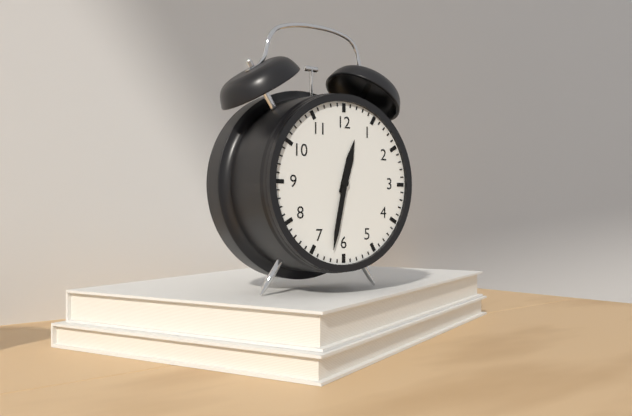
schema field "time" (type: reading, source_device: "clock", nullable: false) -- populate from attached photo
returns 12:32
